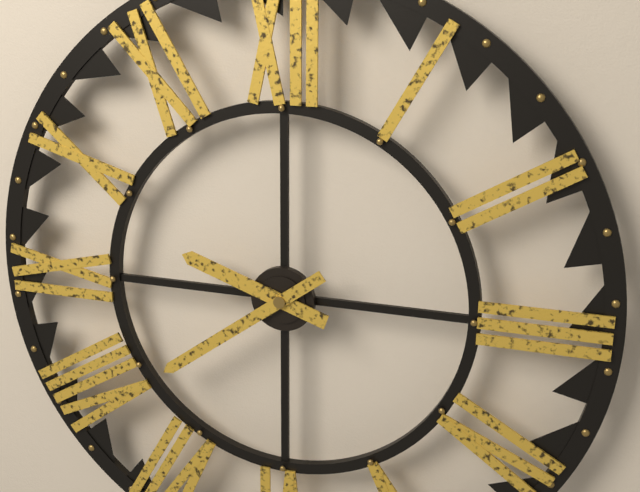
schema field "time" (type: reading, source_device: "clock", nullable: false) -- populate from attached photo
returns 9:39
